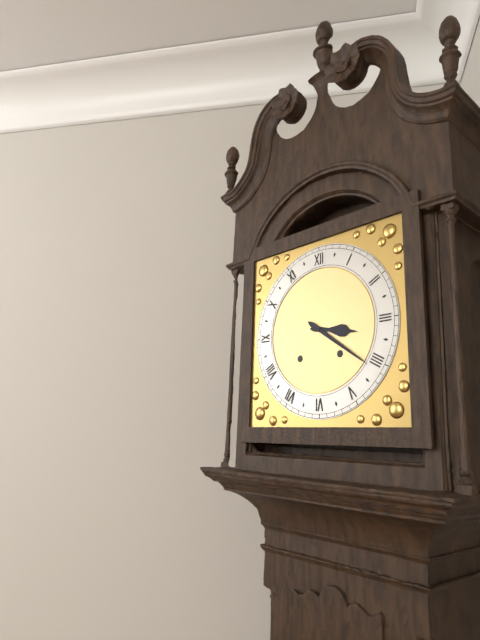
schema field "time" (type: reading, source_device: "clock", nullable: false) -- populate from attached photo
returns 3:21
